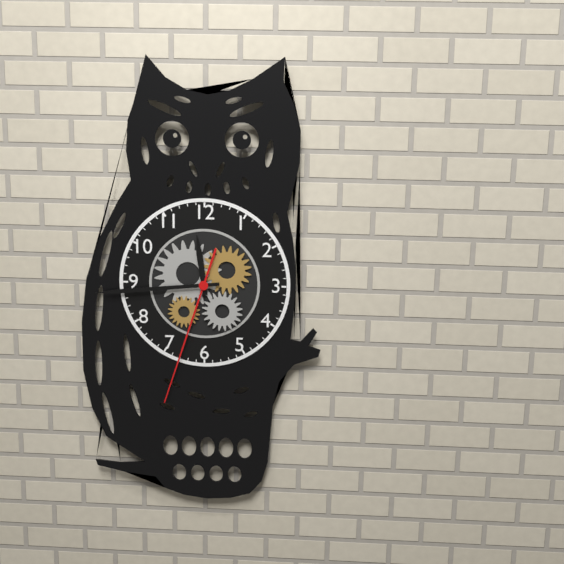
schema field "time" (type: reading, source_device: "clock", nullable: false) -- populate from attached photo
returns 11:44:33
